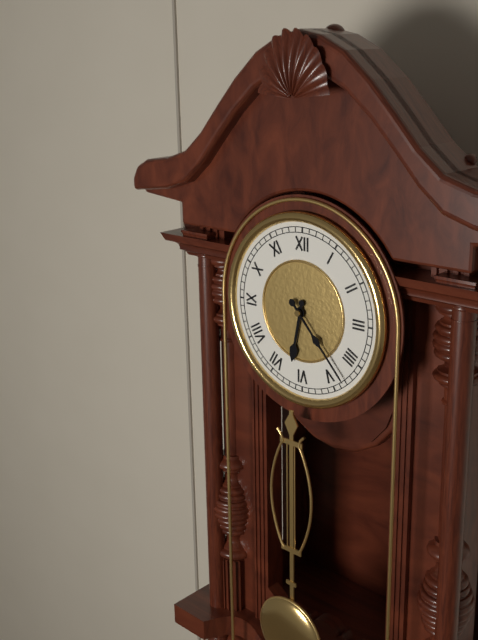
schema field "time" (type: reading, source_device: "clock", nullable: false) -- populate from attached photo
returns 6:23
